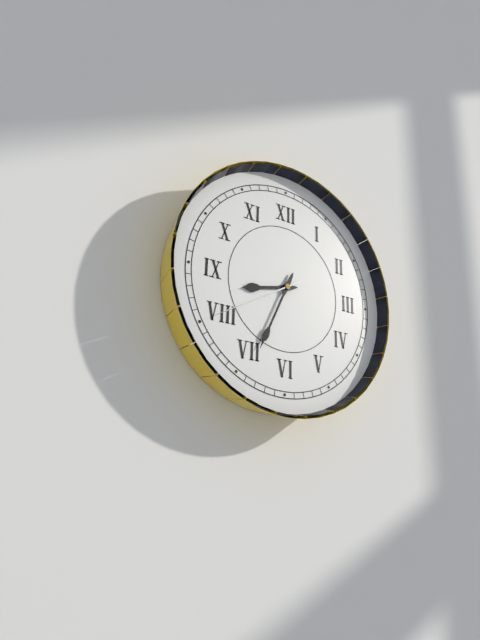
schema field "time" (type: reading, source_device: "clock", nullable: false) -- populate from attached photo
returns 8:34:40
